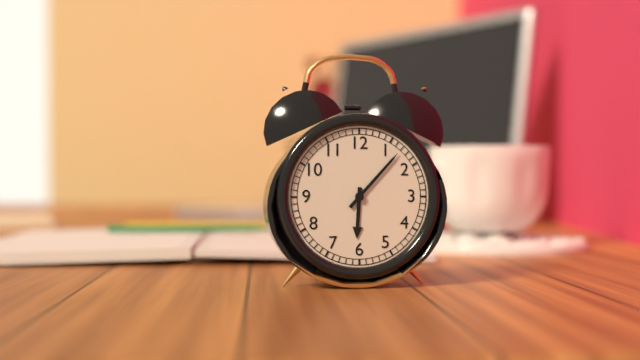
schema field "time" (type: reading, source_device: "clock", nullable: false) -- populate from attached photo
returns 6:07
